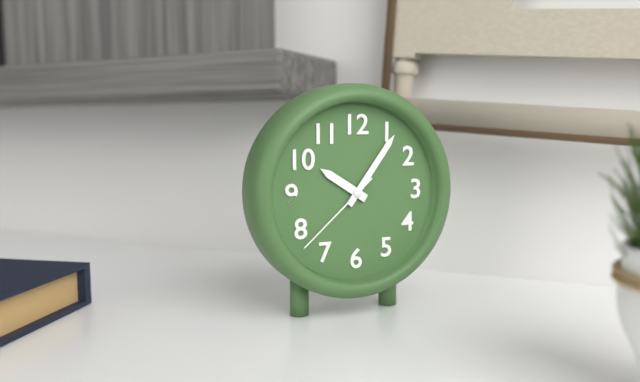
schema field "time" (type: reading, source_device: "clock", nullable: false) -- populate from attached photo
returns 10:06:38
